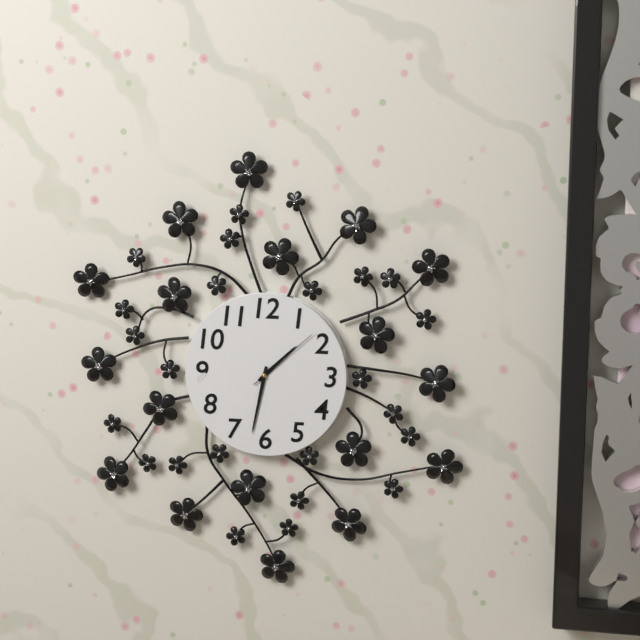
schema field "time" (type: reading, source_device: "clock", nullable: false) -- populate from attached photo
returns 1:32:08
